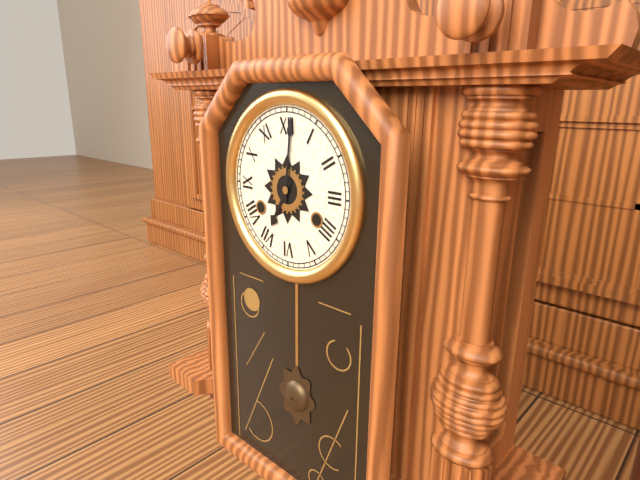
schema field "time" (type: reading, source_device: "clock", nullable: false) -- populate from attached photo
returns 7:01
